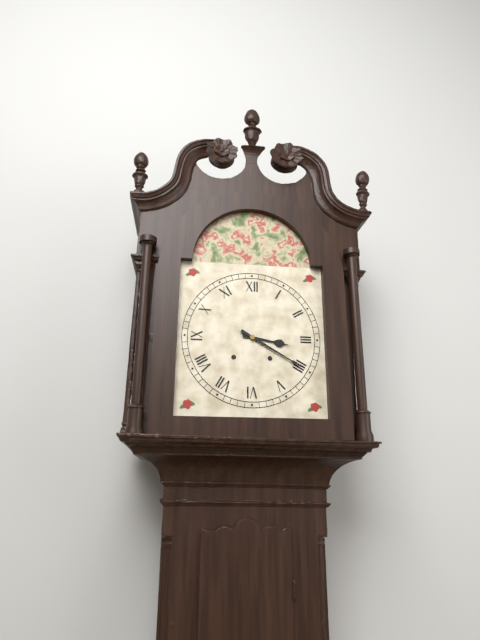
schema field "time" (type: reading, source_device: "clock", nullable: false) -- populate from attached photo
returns 3:20
